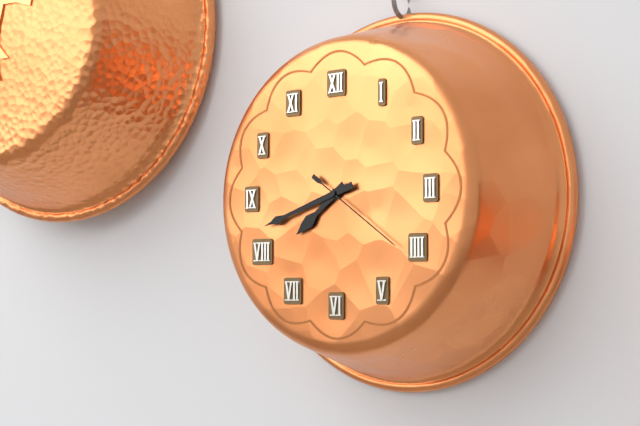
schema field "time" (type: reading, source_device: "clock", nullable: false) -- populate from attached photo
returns 7:42:21
